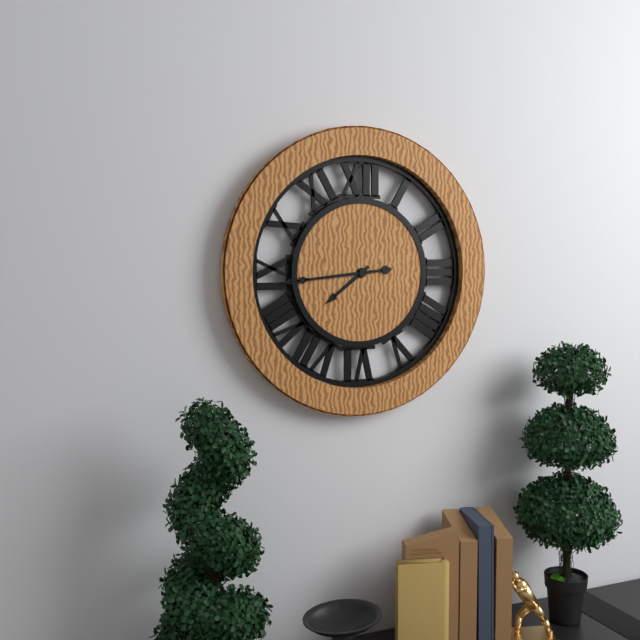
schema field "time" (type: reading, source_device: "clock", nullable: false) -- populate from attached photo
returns 7:44
